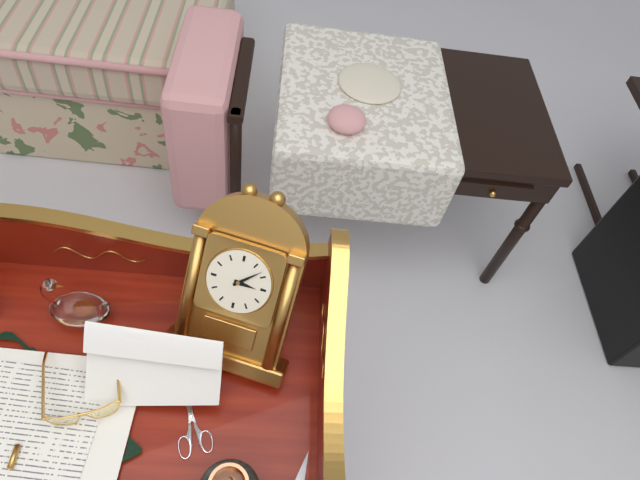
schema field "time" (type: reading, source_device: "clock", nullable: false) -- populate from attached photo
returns 3:08
